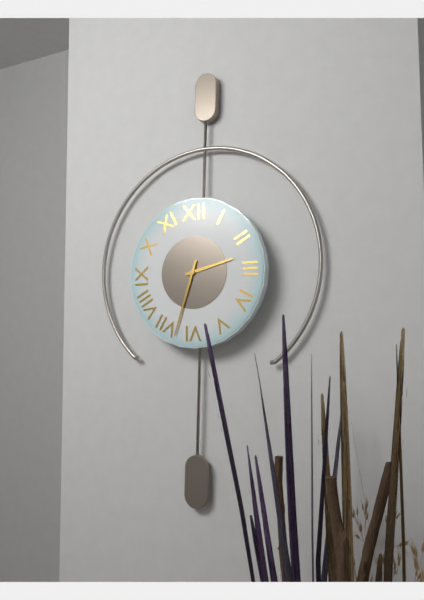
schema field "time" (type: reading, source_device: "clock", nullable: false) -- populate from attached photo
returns 2:33
